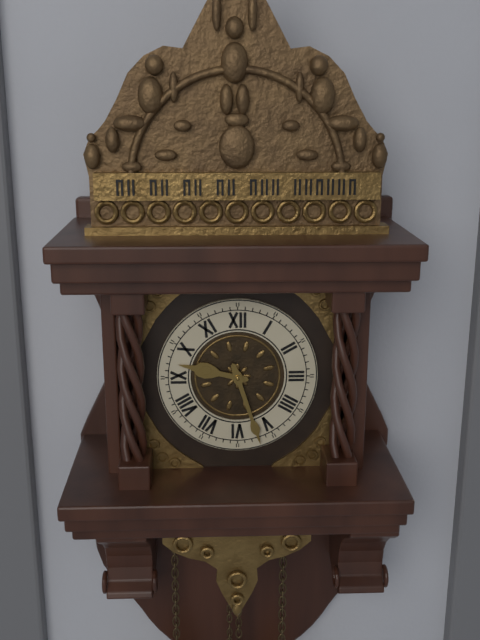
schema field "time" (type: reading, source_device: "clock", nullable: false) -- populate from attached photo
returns 9:27
